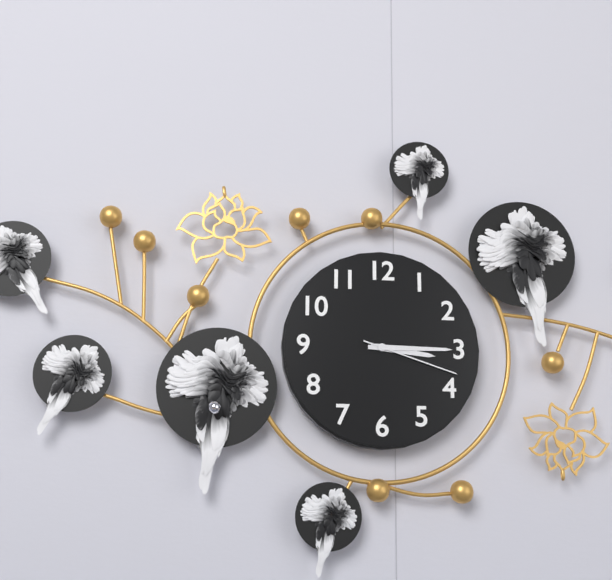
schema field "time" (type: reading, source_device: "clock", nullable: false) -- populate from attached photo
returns 3:15:18
